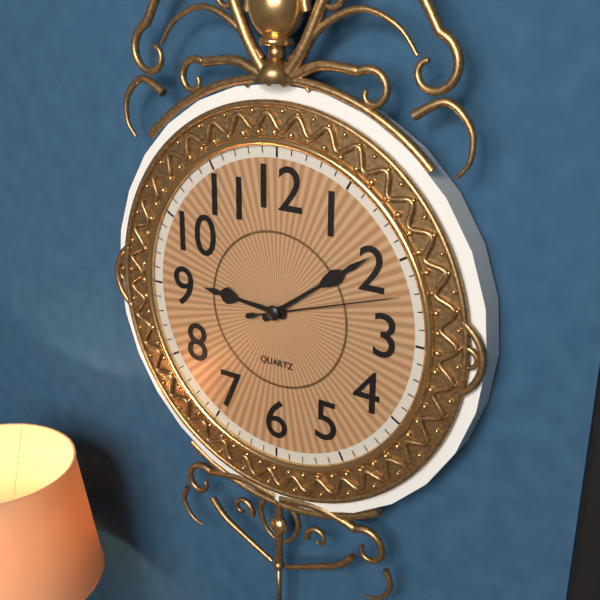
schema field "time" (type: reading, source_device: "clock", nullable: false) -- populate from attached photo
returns 9:09:12
